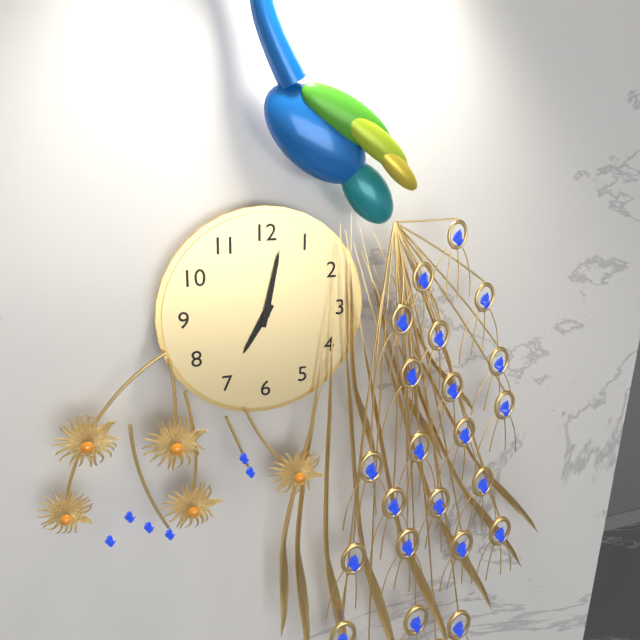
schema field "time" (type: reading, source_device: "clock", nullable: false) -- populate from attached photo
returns 7:02
